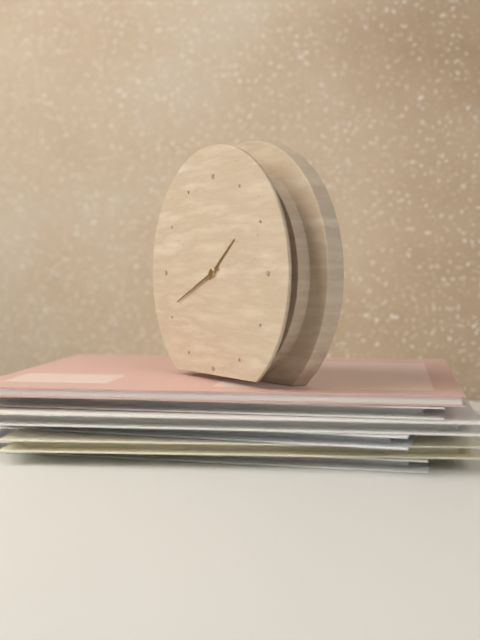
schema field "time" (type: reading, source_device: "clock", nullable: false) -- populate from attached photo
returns 1:41
